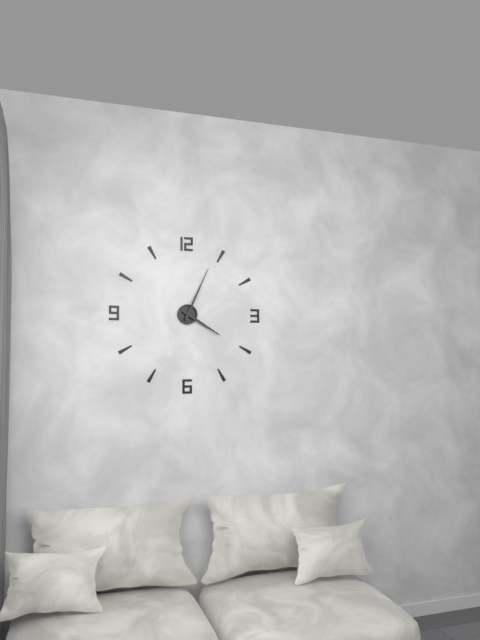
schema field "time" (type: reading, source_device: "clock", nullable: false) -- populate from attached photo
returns 4:04
